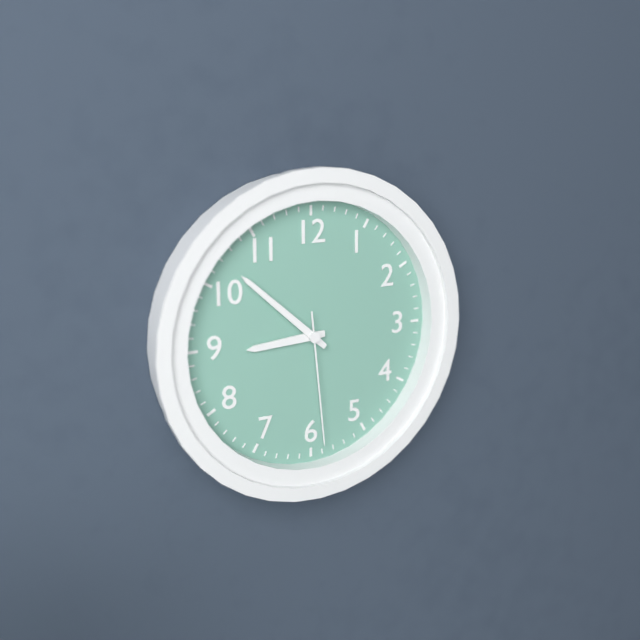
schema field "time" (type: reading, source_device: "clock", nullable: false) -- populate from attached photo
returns 8:52:29
